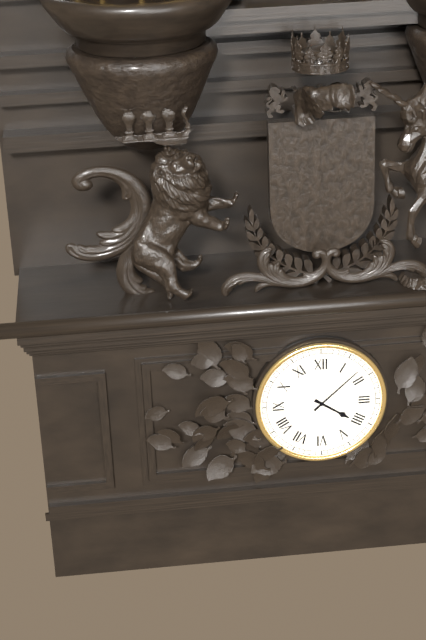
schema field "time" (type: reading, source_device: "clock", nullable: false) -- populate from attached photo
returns 4:08
